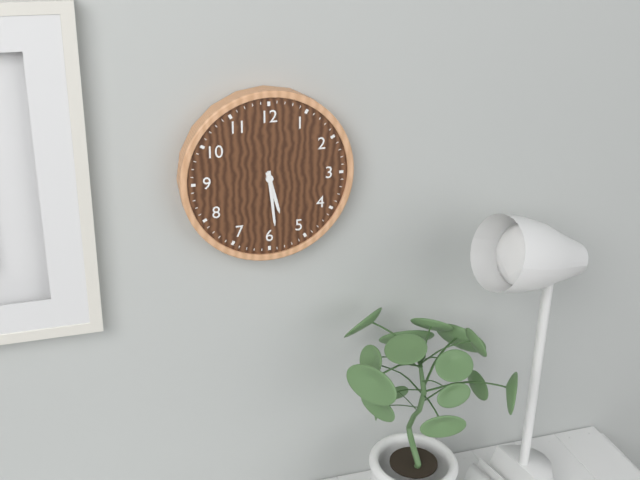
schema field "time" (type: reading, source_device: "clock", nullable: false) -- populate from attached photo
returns 5:29
